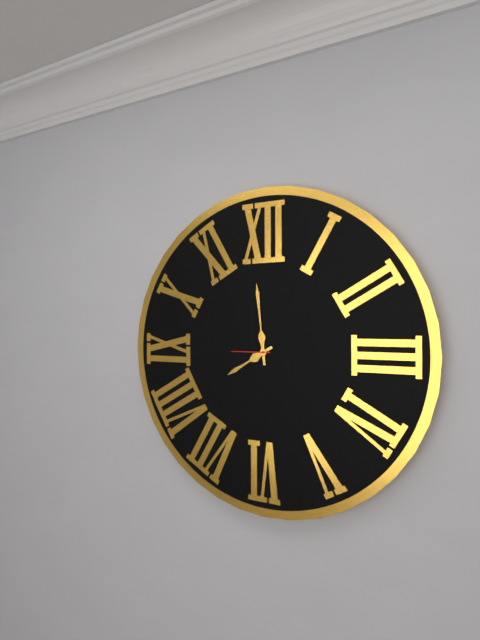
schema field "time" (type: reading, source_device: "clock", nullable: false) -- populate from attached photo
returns 7:59
